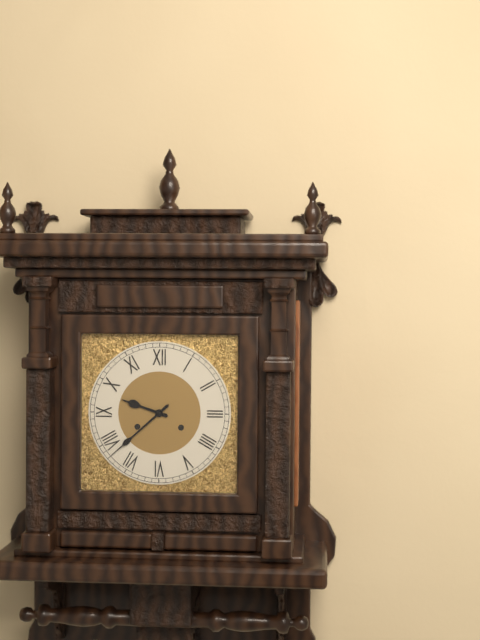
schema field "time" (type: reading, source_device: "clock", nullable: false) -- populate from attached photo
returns 9:38
